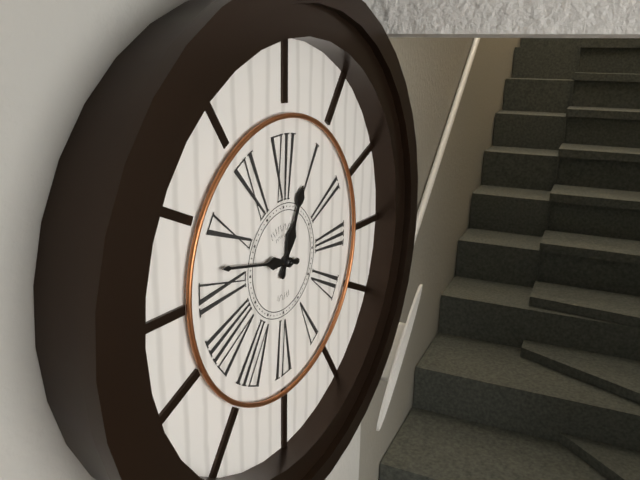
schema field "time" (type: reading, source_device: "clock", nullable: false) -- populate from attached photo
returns 12:47
